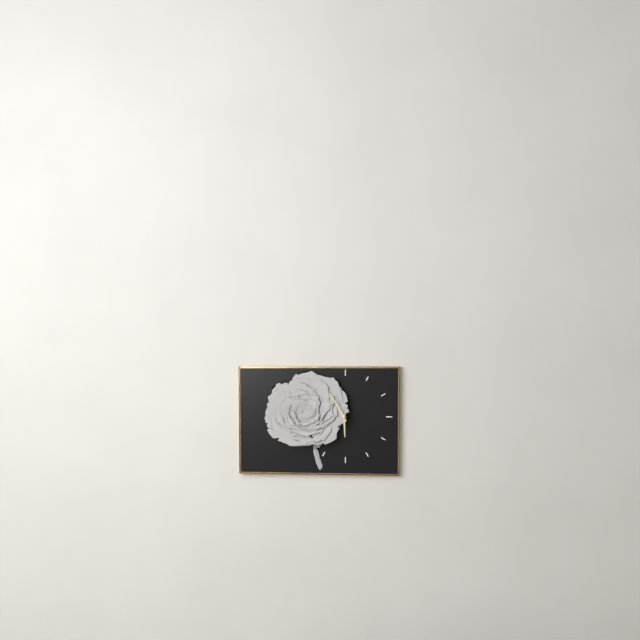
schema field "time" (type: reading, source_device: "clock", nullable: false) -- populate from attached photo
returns 5:55
